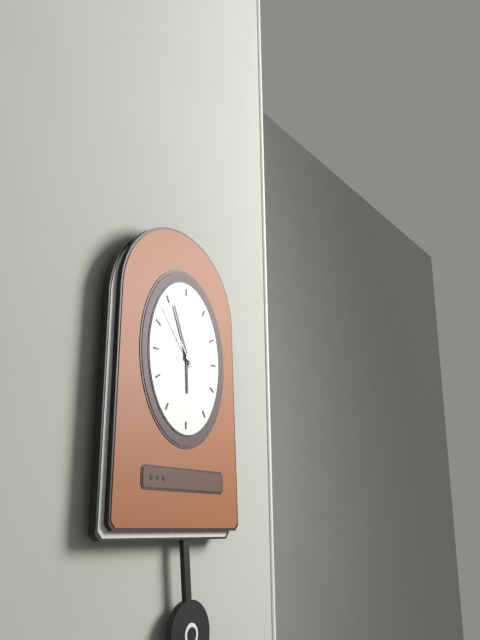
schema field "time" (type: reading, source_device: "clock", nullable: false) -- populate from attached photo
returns 5:56:53
